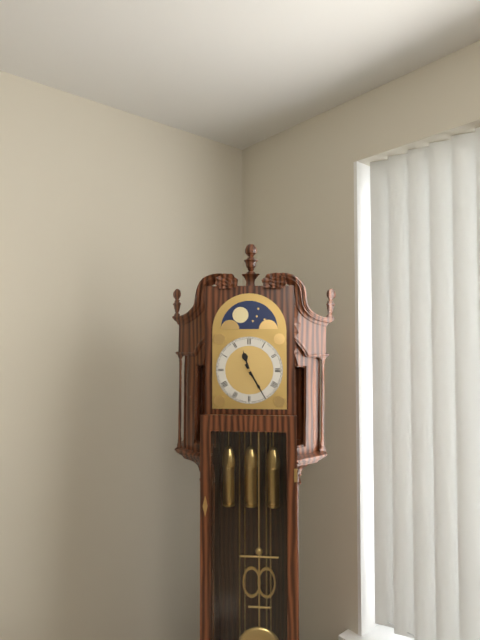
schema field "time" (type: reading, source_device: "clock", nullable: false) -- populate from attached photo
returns 11:25
